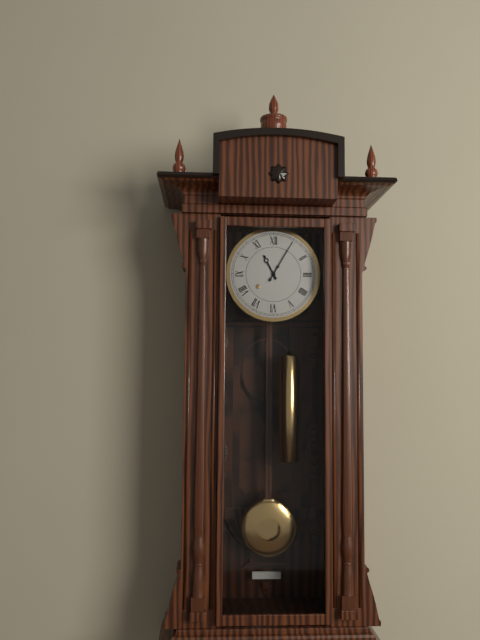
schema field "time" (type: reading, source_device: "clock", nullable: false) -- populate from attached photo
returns 11:05
